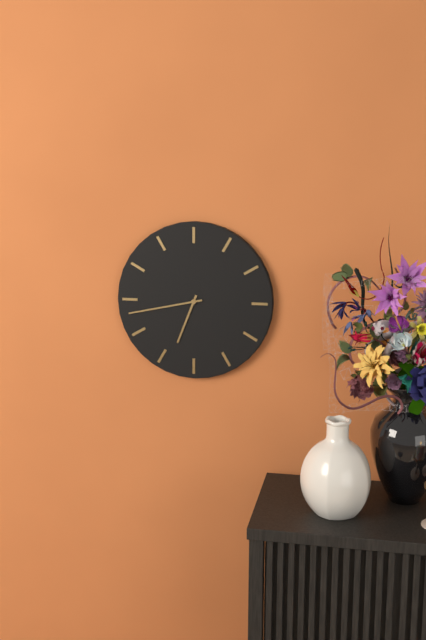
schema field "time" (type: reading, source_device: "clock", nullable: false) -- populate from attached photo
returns 6:43
